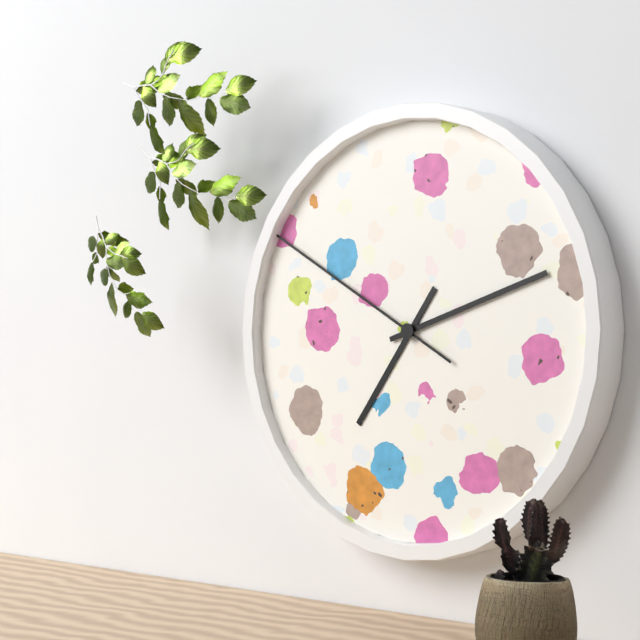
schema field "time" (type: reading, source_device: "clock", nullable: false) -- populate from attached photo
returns 7:12:50
